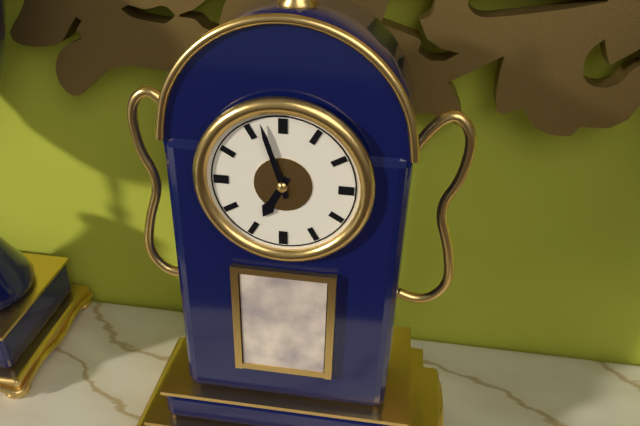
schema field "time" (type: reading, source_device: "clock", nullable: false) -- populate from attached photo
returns 6:57
